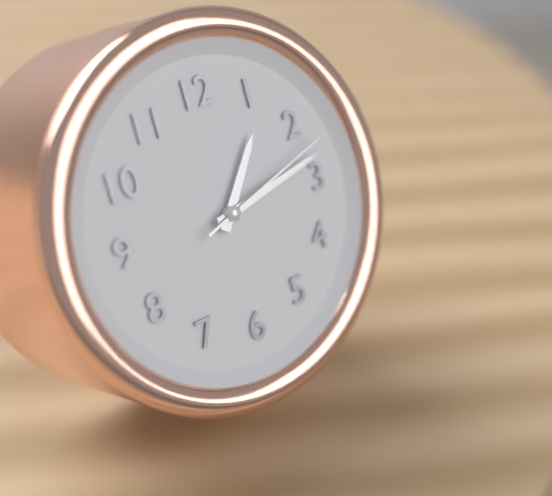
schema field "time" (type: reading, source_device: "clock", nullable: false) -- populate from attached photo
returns 1:13:12
